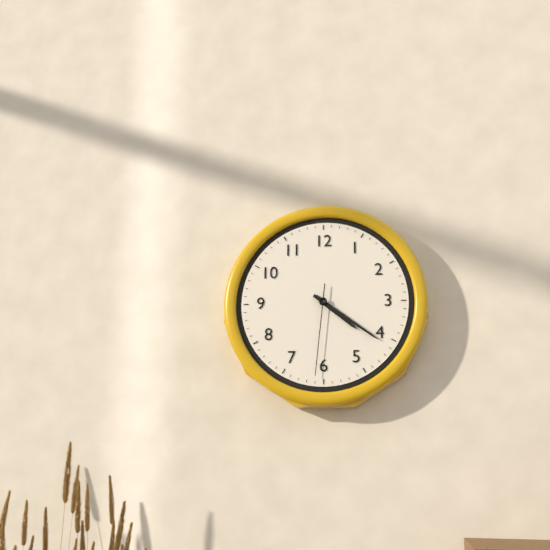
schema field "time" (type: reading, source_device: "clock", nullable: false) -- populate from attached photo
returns 4:21:31
